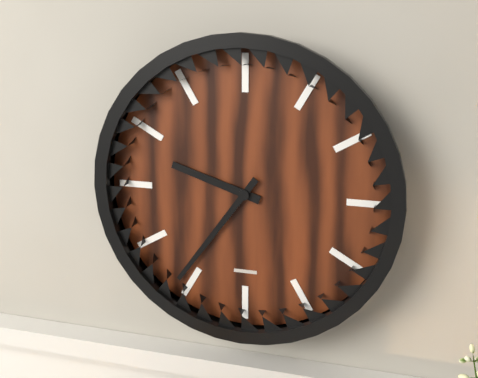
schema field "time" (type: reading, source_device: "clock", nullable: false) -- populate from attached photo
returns 9:36
